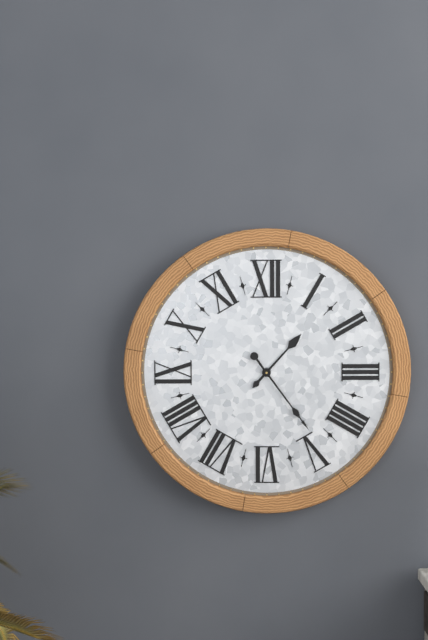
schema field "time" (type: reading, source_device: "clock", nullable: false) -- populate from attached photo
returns 1:24
